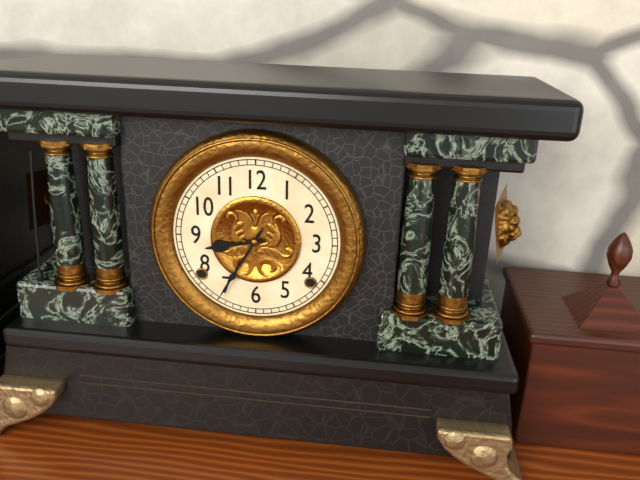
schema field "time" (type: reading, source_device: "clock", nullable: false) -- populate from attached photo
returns 8:35
